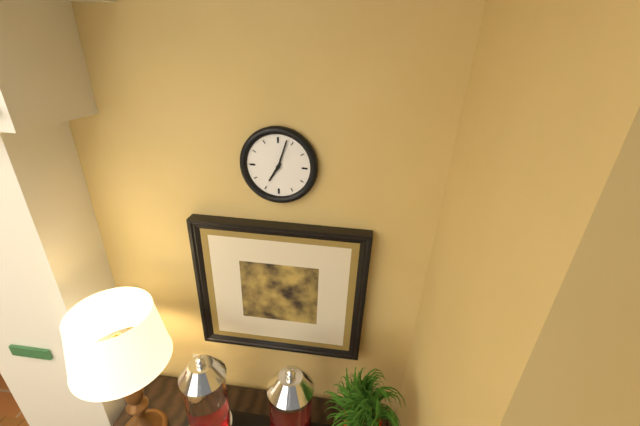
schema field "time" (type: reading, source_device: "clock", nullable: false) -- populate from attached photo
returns 7:03
